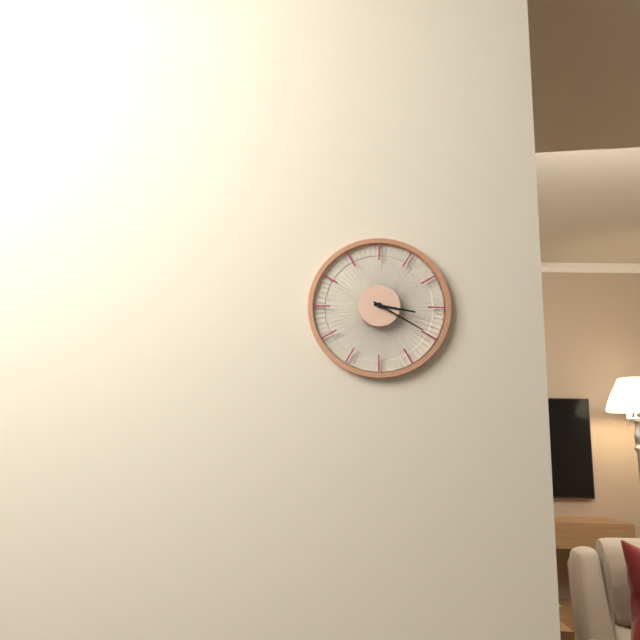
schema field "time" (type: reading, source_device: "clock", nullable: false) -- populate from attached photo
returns 3:20
